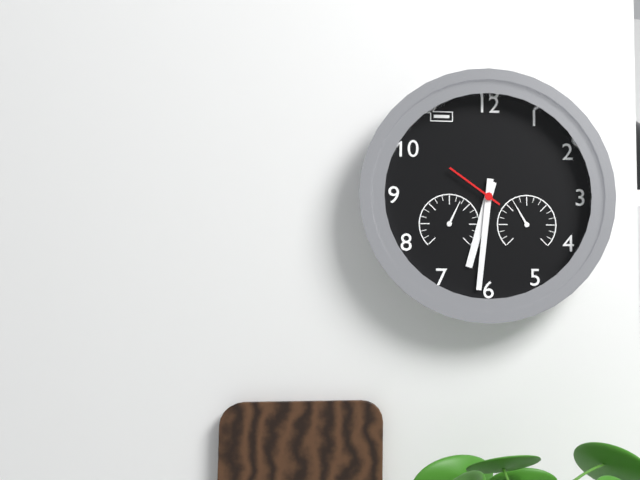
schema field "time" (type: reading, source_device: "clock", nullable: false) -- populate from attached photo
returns 6:31:51
